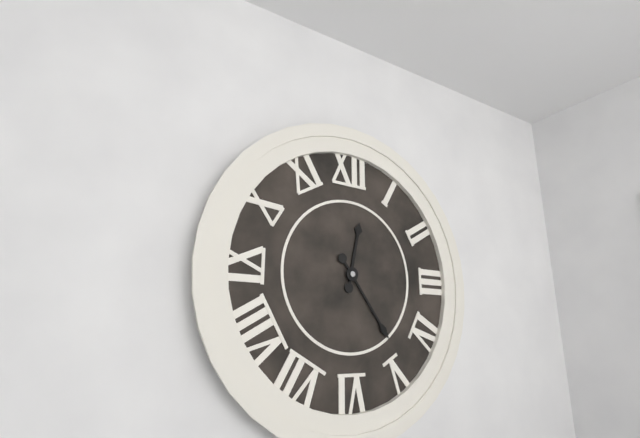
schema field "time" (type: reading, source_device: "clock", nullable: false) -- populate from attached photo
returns 12:24
